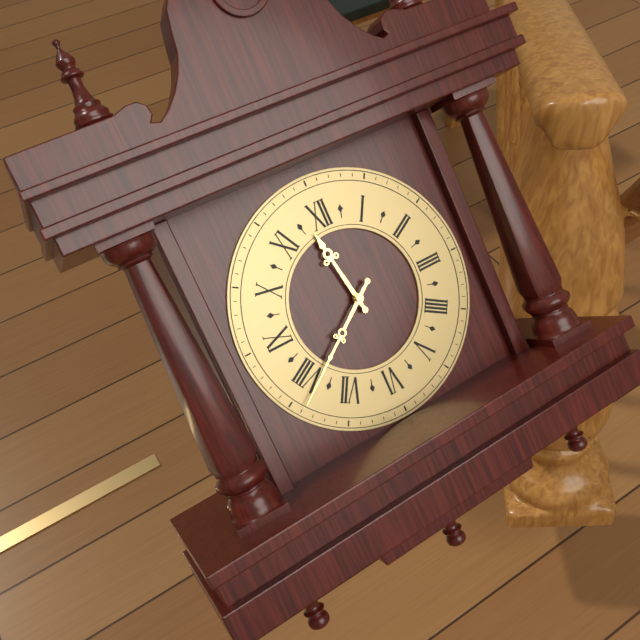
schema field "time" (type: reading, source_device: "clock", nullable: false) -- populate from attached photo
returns 11:39
